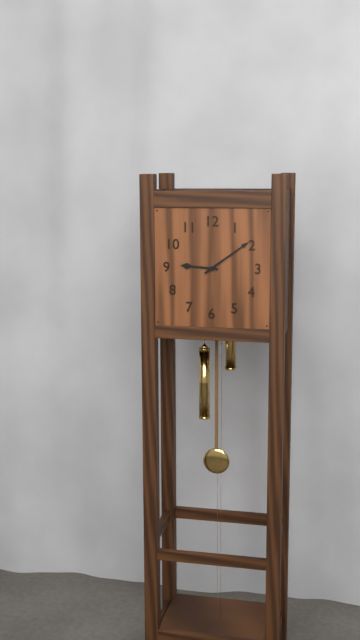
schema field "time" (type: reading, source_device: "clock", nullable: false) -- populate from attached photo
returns 9:09
